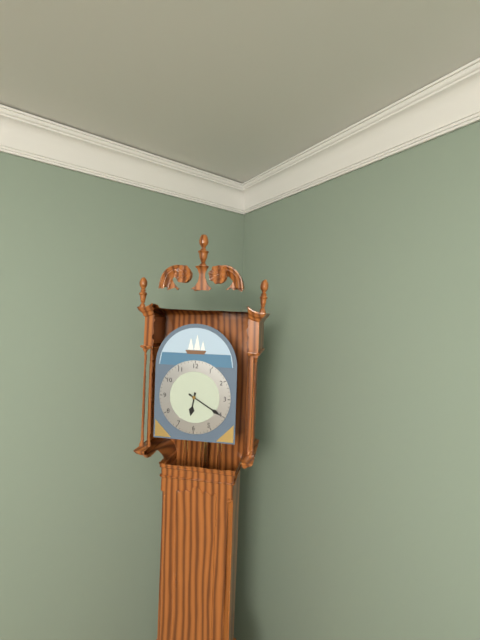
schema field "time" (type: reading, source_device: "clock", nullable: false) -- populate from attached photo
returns 6:20
